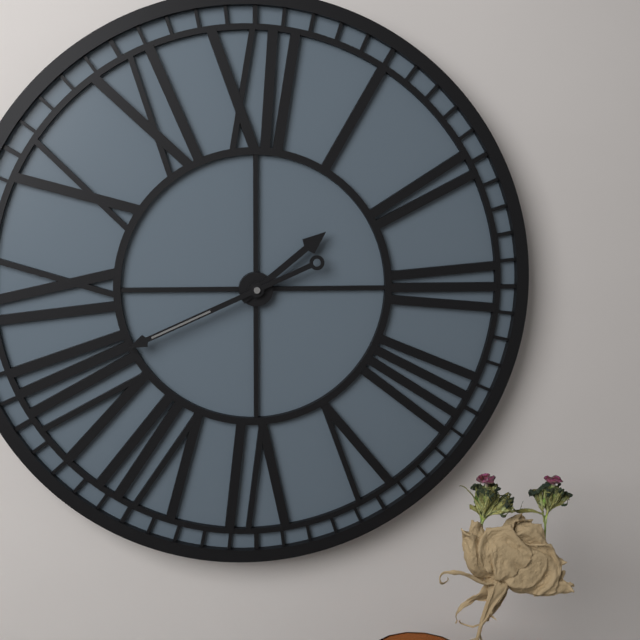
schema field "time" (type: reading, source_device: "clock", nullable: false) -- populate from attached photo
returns 1:41
